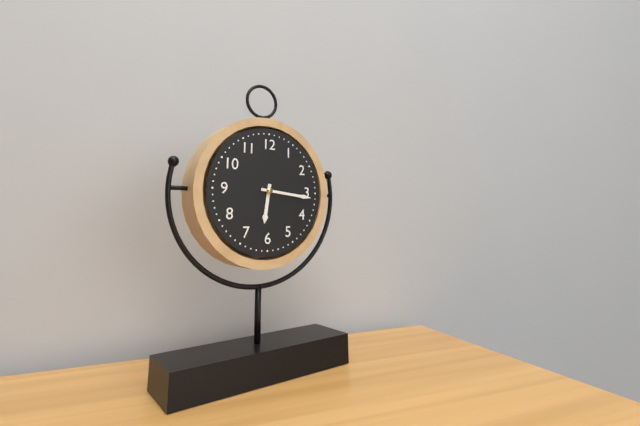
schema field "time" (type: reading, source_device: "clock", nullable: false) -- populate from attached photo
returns 6:16
